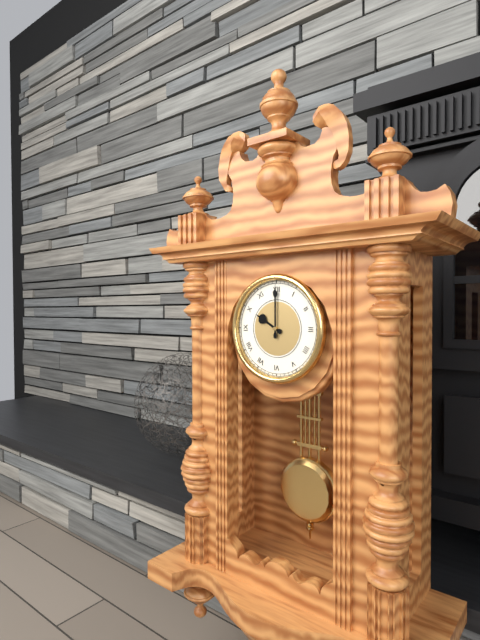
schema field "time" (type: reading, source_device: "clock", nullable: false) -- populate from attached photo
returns 10:00
